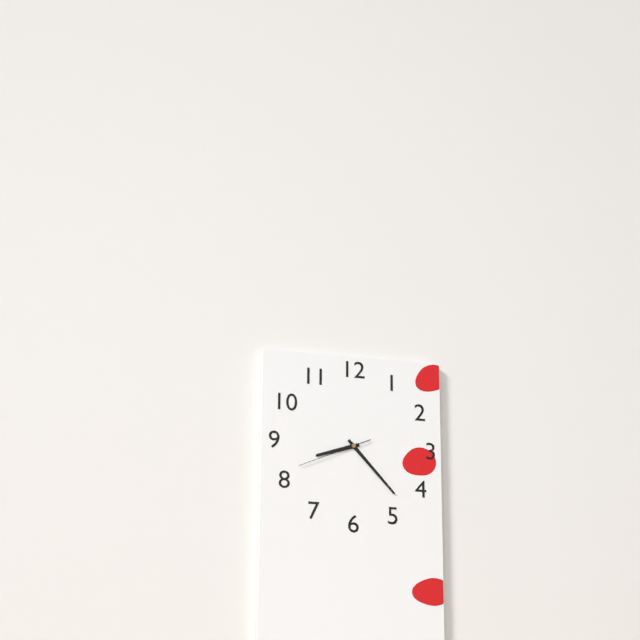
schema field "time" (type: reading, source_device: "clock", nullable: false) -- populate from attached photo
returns 8:23:41
